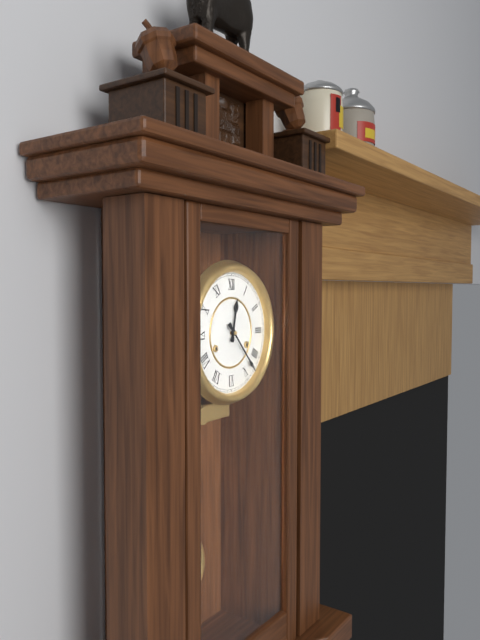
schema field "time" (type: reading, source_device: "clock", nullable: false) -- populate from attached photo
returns 12:23
